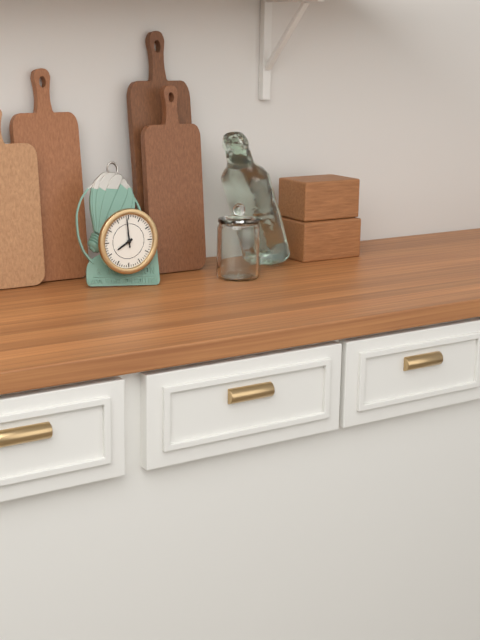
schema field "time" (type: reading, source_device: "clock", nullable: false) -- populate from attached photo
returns 7:59
